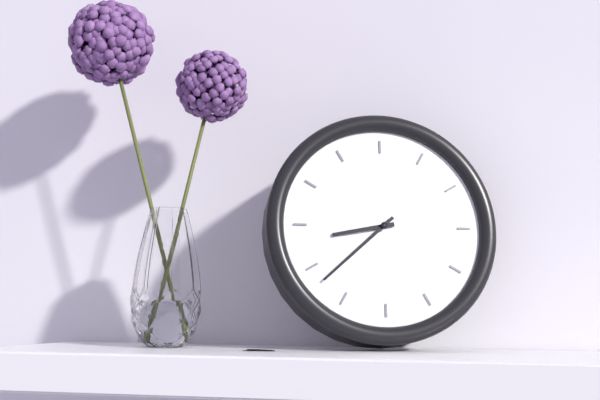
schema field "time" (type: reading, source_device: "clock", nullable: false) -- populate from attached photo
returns 8:38
